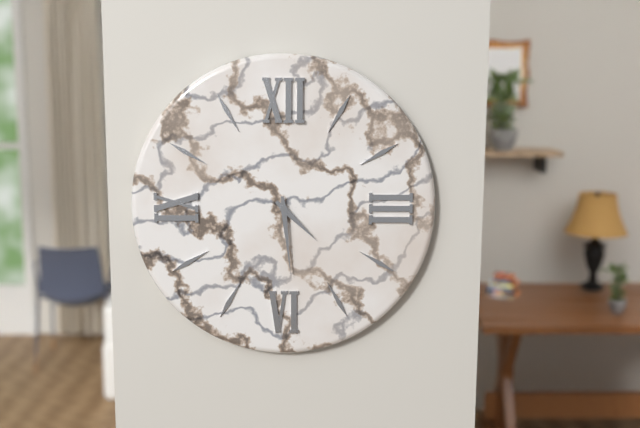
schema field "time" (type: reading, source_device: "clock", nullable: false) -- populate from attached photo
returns 4:29
